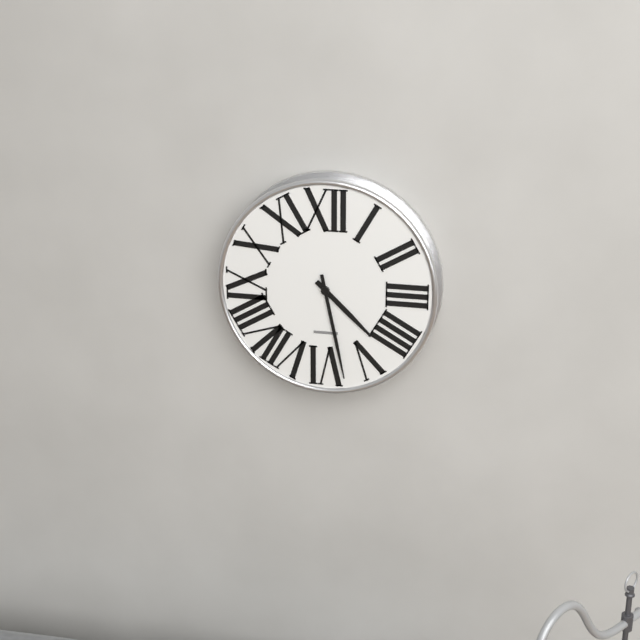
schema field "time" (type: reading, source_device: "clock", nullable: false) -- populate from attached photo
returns 4:28
